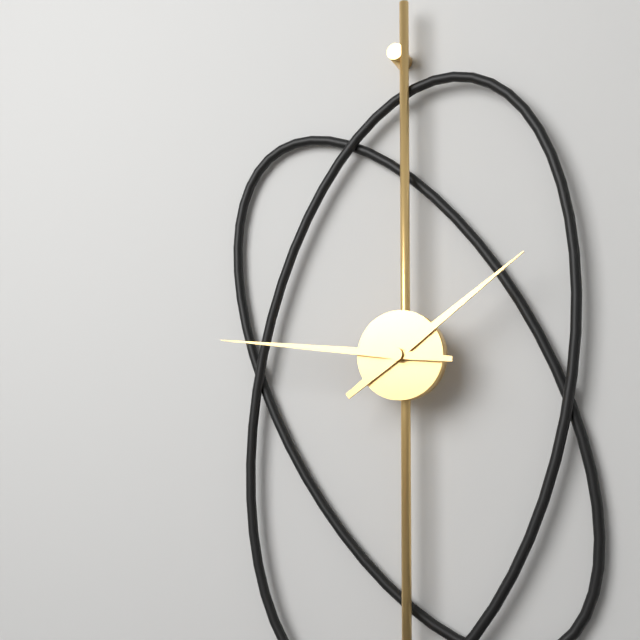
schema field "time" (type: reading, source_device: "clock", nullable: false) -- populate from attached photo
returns 1:46
